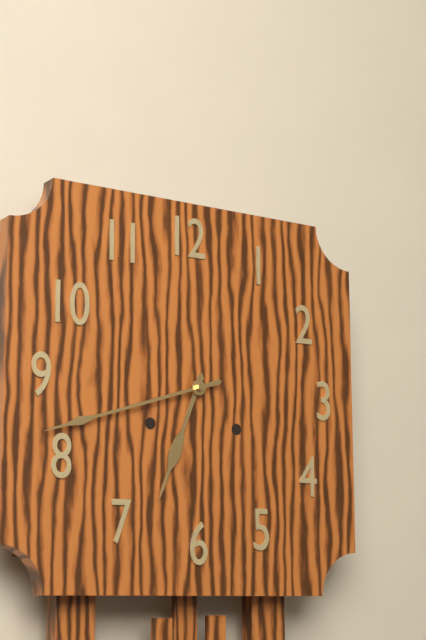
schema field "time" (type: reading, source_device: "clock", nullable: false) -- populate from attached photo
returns 6:42
